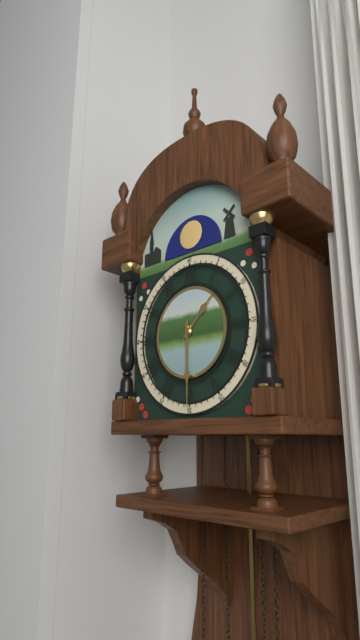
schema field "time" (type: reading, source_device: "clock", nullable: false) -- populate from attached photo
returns 1:30
